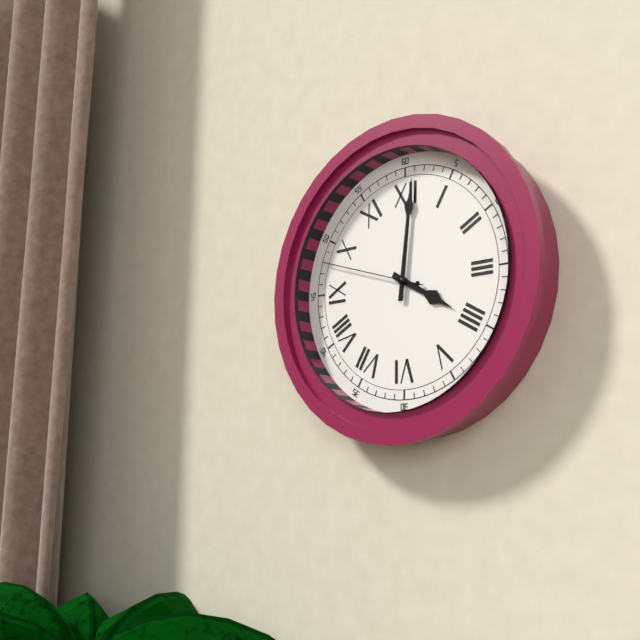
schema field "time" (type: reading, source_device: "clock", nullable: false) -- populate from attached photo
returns 4:01:48
